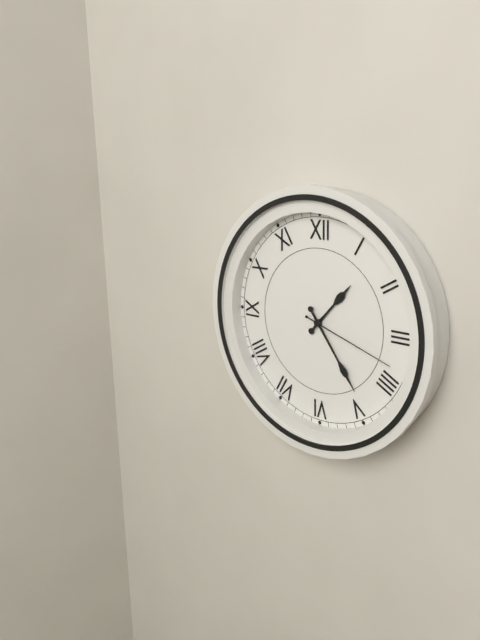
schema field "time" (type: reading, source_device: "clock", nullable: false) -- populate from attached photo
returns 1:24:18
